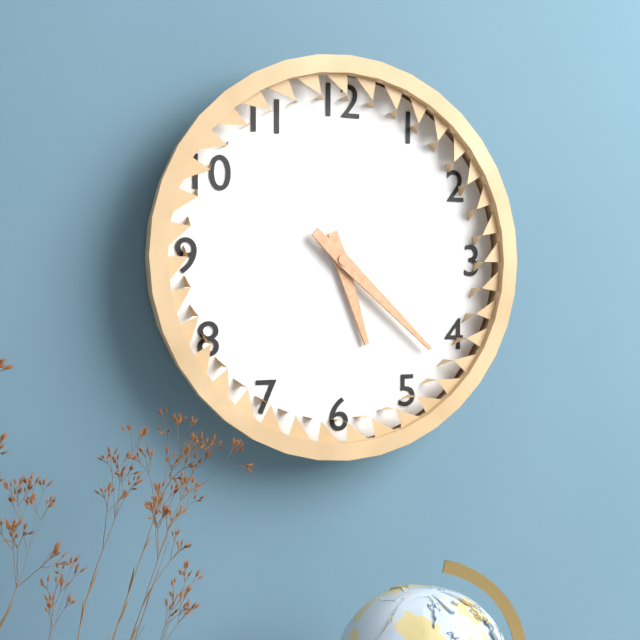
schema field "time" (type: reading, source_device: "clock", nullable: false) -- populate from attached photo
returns 5:22
